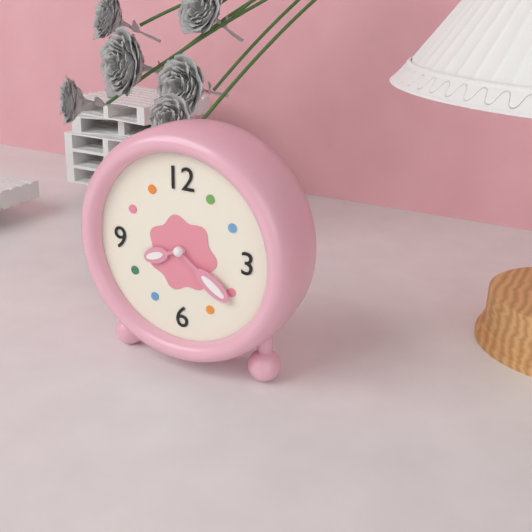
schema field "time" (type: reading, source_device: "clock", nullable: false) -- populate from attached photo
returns 8:21
